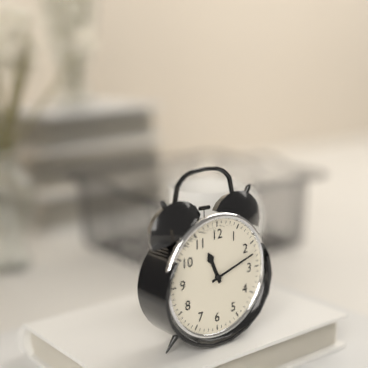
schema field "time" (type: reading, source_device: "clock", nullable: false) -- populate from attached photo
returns 11:12
